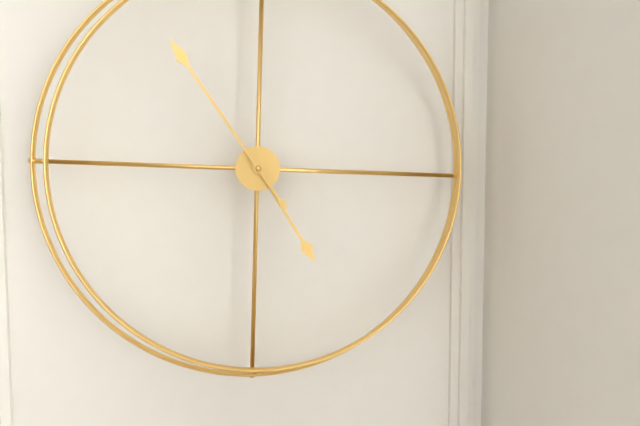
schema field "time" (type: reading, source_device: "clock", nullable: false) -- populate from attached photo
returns 4:54
